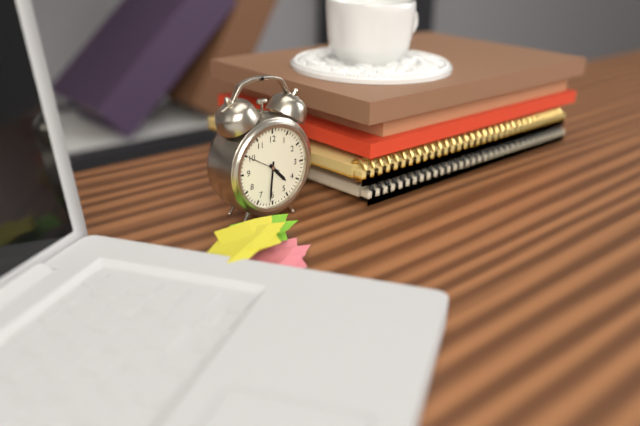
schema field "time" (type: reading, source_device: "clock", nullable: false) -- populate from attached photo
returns 4:31
